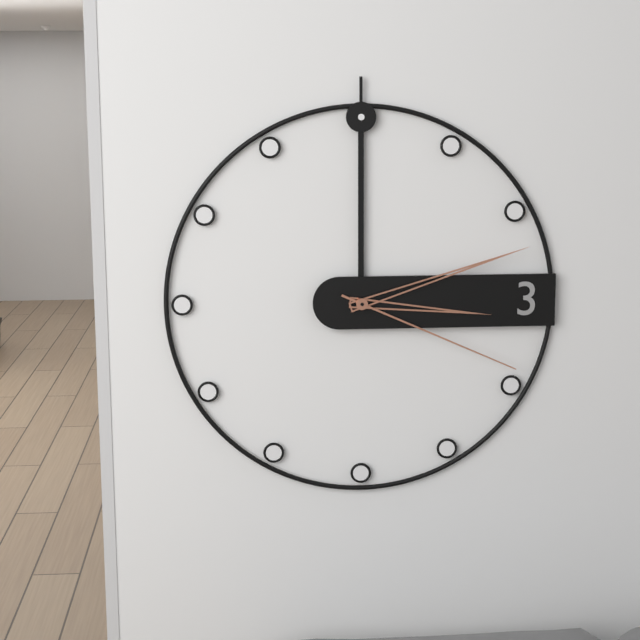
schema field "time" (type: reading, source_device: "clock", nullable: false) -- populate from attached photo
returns 3:12:19
